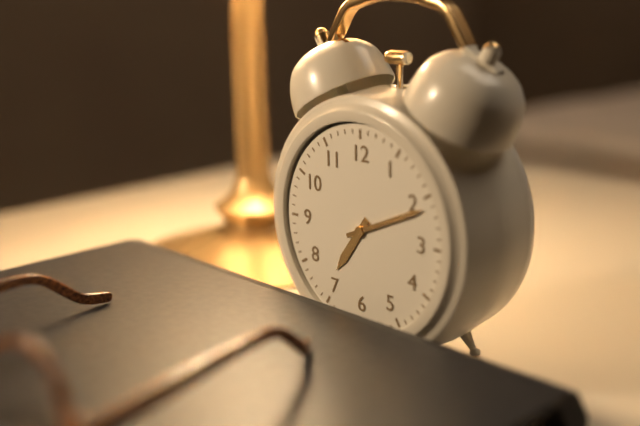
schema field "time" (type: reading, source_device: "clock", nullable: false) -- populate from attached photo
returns 7:11
